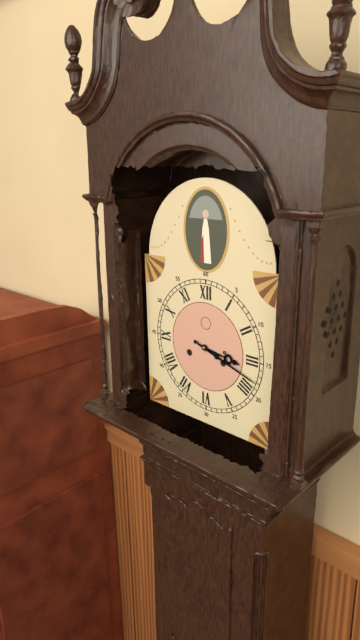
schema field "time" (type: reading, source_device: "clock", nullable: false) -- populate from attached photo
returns 3:18
